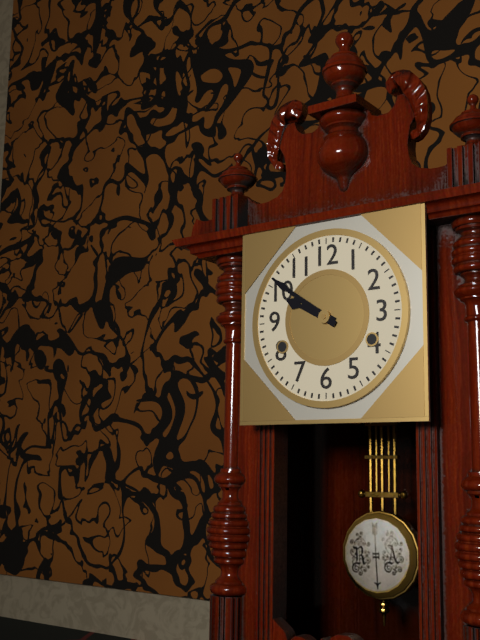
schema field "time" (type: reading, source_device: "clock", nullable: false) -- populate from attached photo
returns 9:51
